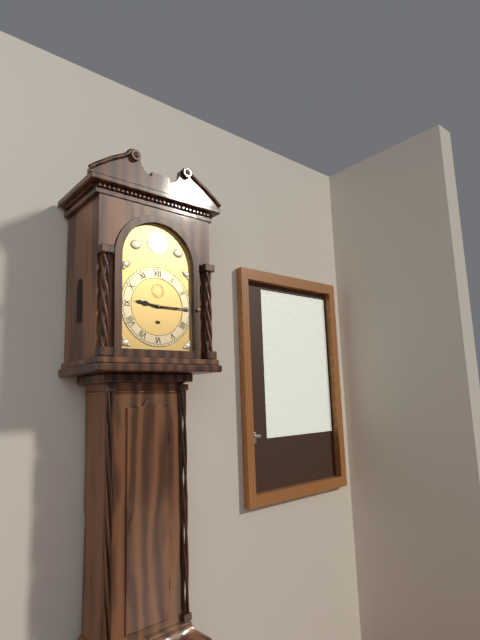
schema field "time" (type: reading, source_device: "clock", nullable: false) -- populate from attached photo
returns 9:15
